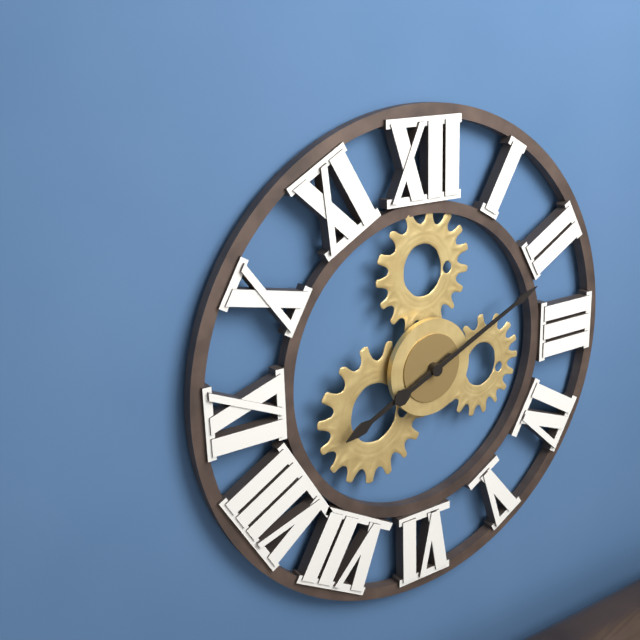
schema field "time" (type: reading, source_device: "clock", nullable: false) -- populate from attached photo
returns 8:11
